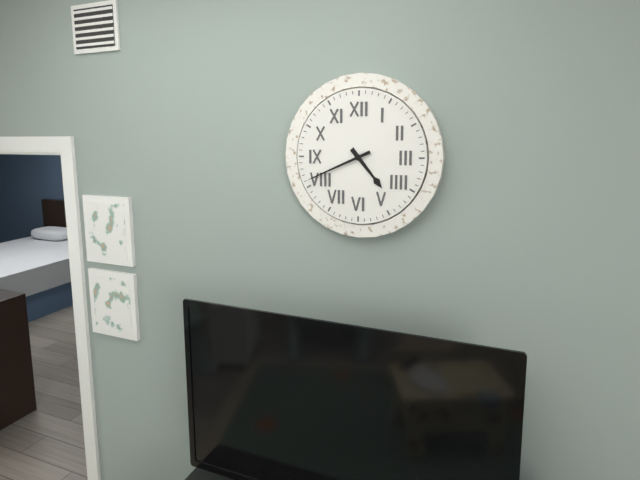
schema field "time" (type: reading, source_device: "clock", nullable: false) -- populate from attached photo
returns 4:41
